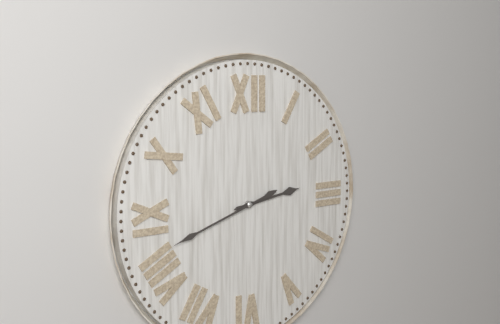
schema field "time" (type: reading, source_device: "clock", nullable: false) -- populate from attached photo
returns 2:42
